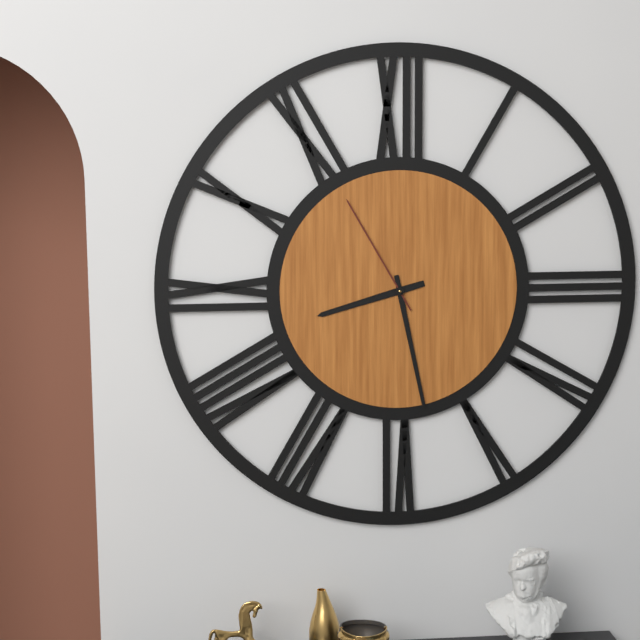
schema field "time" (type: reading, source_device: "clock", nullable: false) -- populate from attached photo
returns 8:28:55
